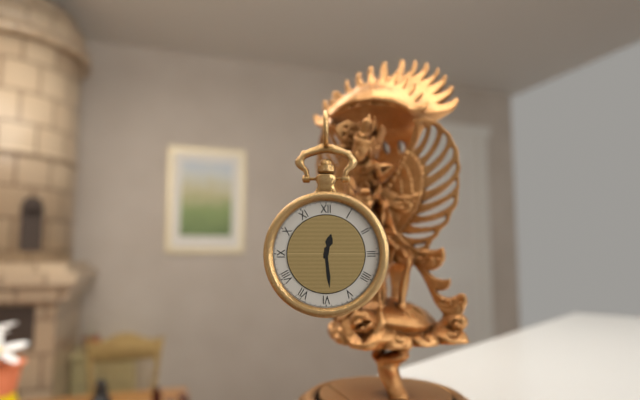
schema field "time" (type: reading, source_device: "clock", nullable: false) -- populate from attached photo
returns 12:29
